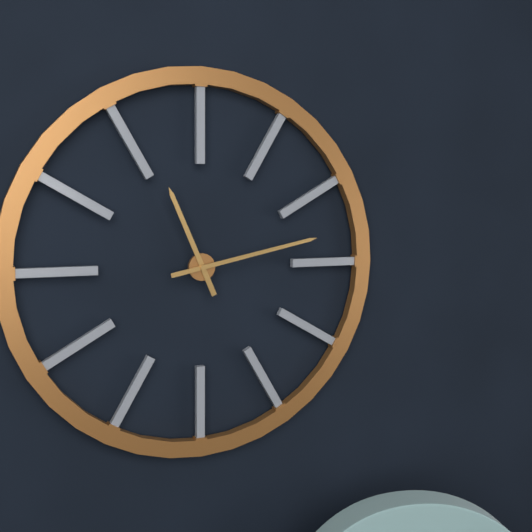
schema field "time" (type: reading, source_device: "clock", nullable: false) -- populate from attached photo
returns 11:13
